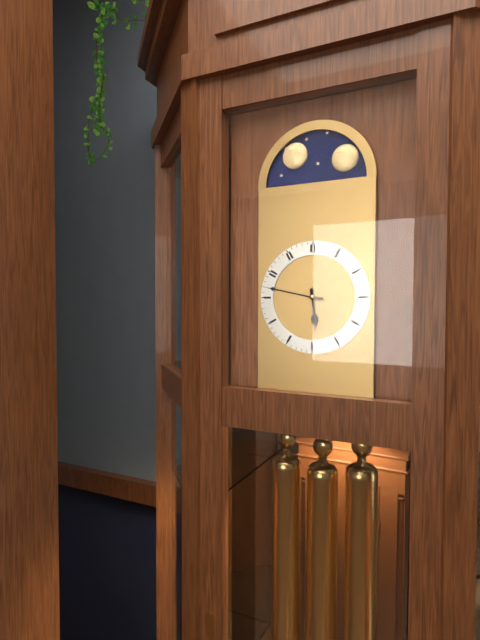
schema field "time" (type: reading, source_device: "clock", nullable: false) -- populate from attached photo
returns 5:47
